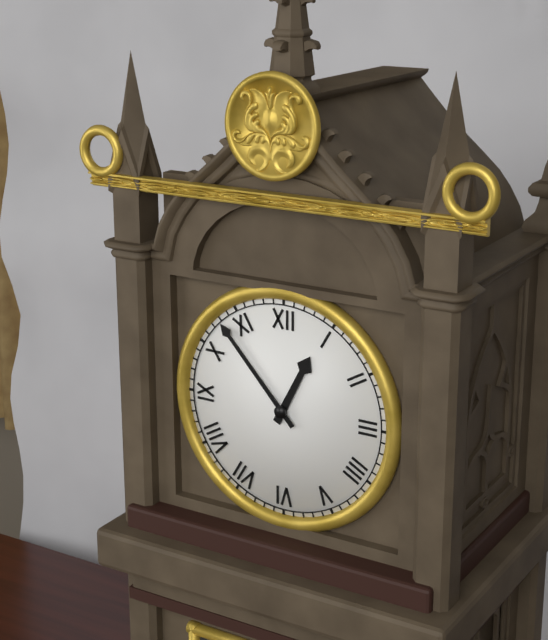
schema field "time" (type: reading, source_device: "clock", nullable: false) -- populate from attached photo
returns 12:53
